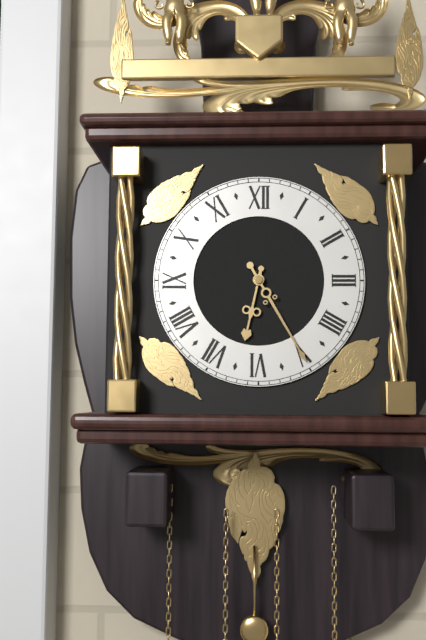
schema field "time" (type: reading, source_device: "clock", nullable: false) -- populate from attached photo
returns 6:25
